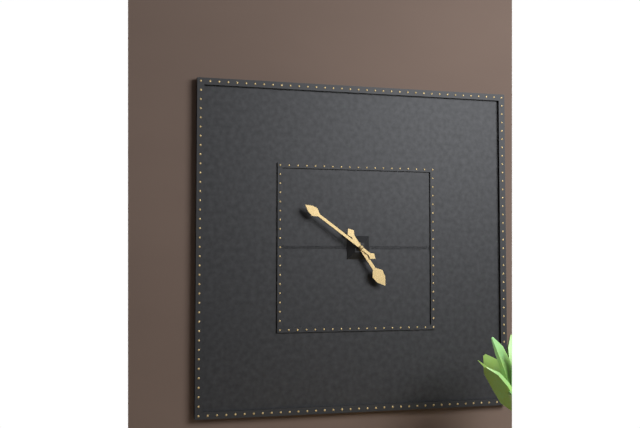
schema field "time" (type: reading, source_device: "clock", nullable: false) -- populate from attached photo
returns 4:51
